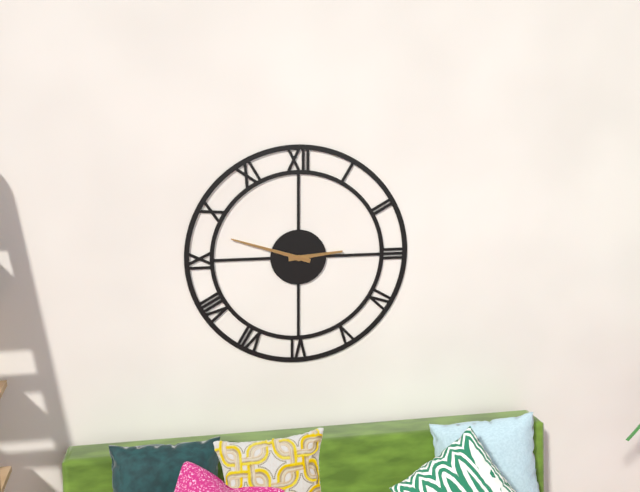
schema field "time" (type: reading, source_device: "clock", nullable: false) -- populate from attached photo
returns 2:48
